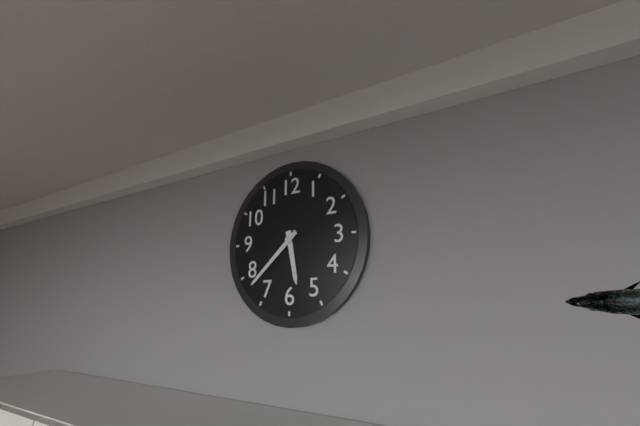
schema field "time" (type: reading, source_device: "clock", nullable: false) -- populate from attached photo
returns 5:38
